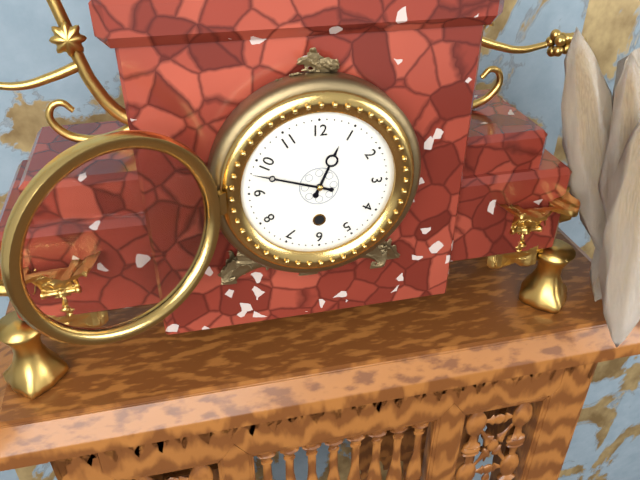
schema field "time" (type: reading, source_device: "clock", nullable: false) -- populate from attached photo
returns 12:48
